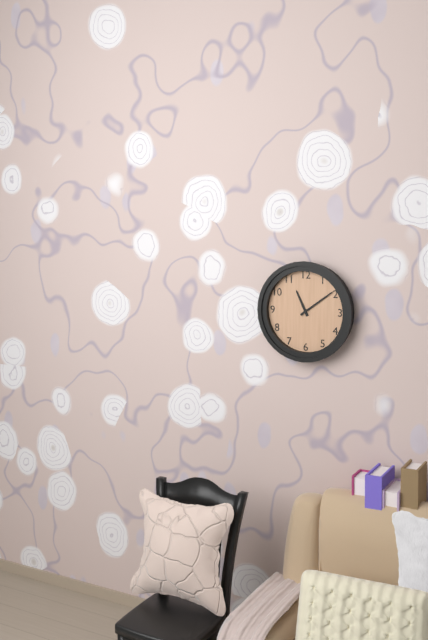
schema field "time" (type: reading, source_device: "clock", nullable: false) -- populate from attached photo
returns 11:09
